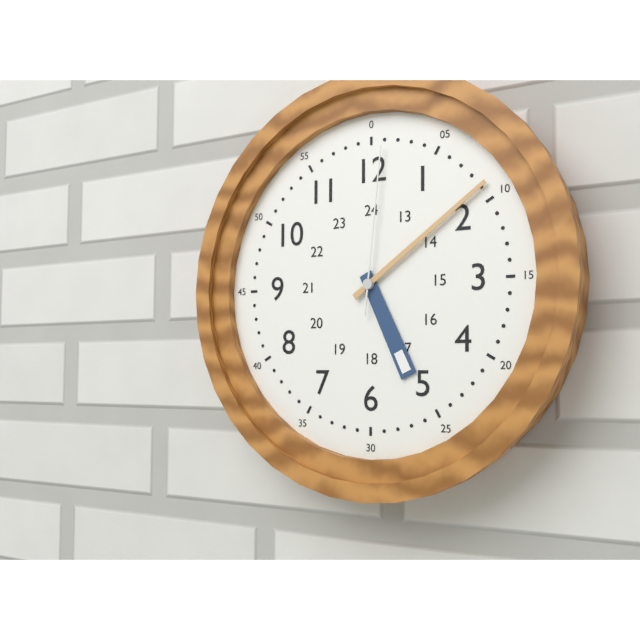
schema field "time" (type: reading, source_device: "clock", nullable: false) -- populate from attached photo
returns 5:09:01
